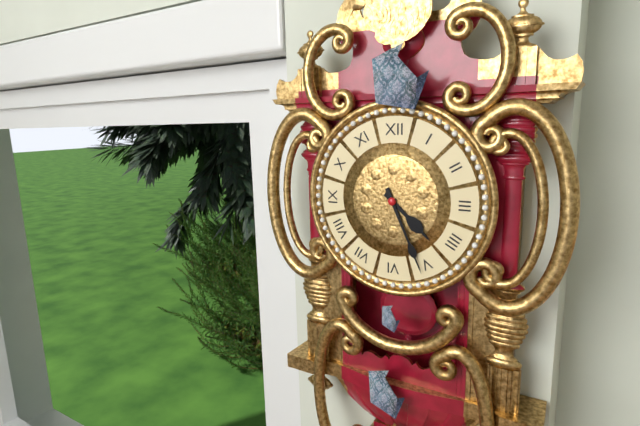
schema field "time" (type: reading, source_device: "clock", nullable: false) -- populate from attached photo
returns 4:26
